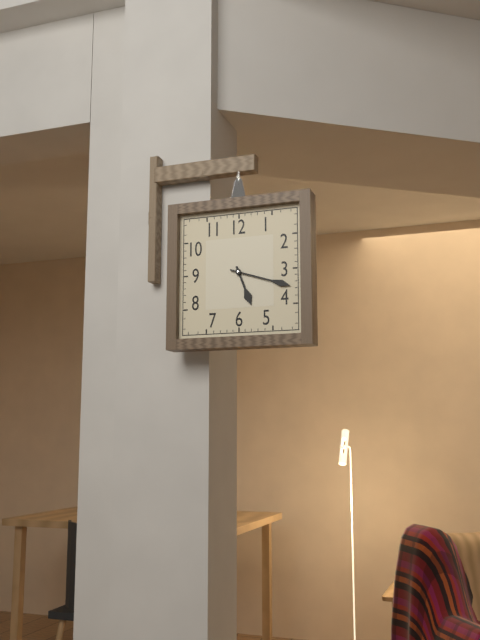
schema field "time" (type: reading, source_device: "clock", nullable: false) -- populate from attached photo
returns 5:18
